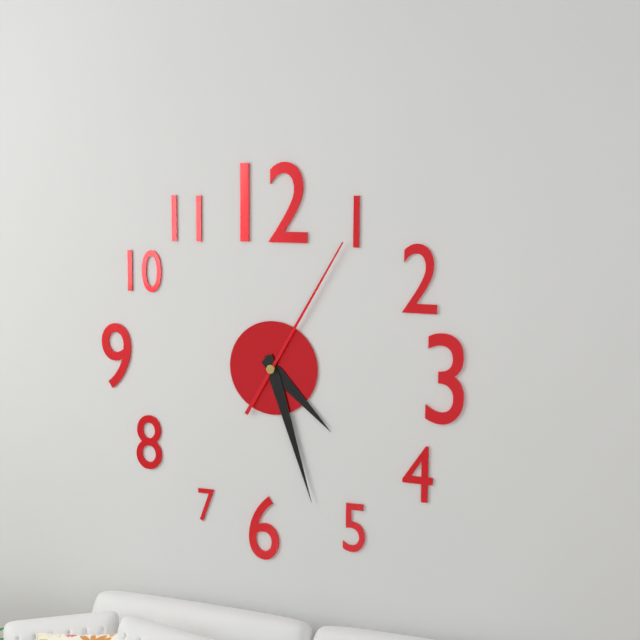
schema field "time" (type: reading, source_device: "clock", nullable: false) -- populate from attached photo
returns 4:27:05
